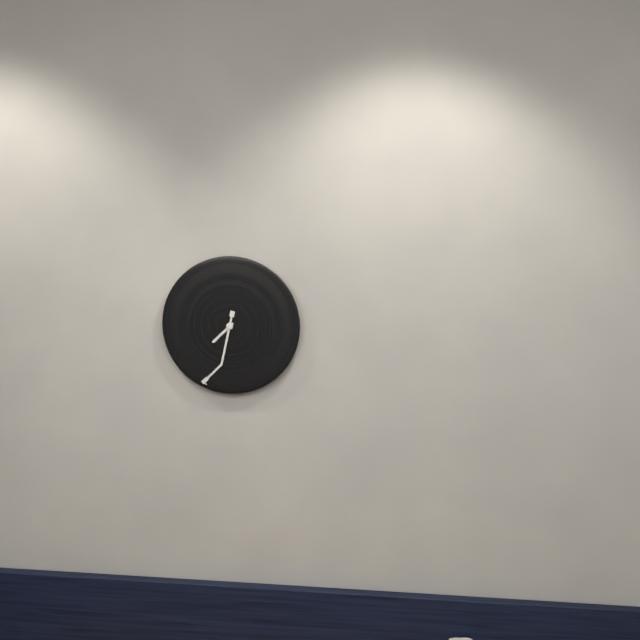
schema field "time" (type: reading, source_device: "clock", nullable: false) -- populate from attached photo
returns 7:32
